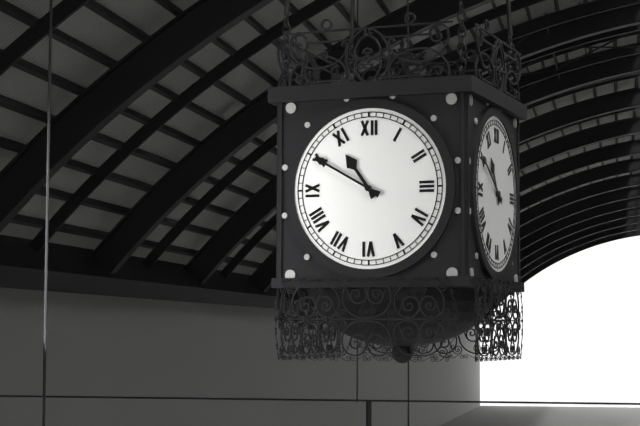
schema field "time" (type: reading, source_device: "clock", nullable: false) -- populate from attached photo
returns 10:50
